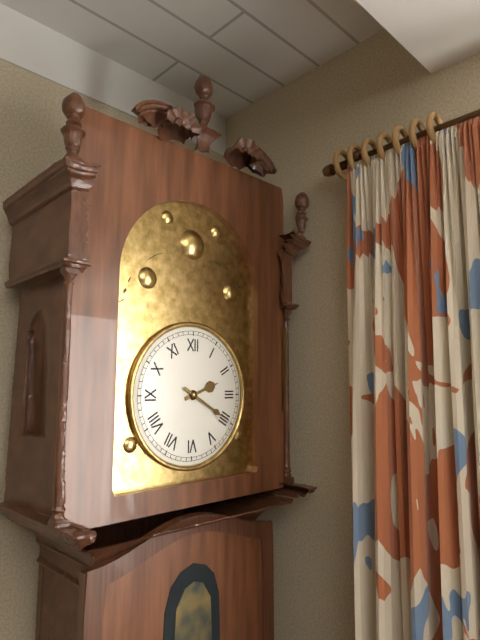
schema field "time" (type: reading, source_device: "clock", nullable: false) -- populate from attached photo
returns 2:20
